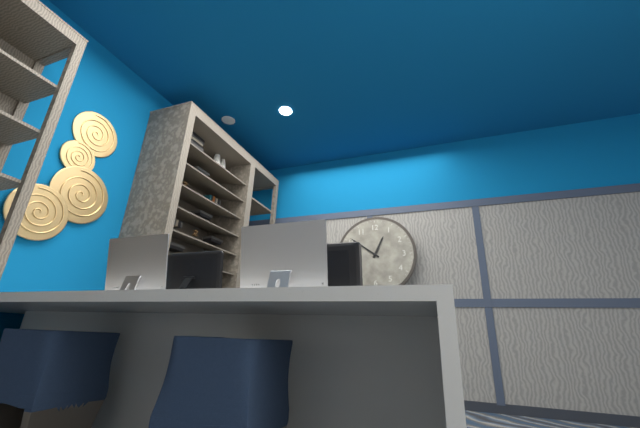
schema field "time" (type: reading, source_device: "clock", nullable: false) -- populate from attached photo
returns 12:51
